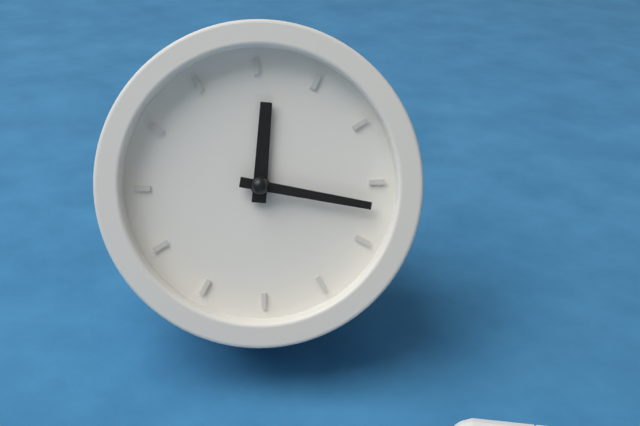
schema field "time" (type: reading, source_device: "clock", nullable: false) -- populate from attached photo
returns 11:12
